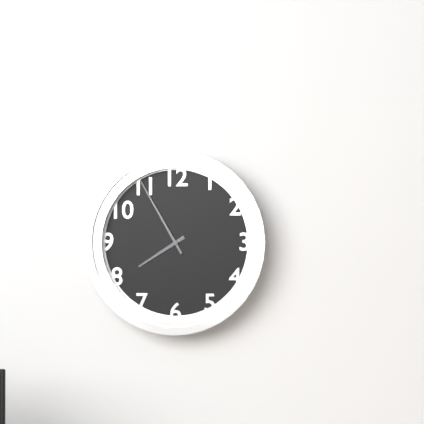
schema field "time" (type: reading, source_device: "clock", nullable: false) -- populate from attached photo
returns 7:55
